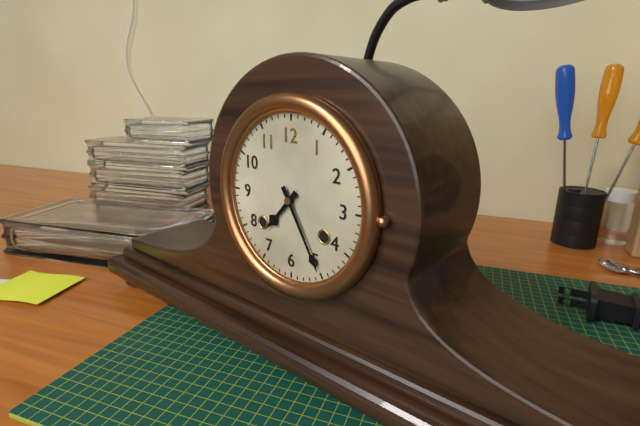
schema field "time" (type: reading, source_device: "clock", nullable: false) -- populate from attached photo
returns 7:25
